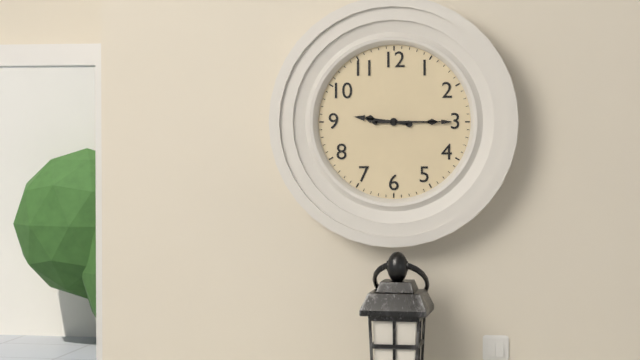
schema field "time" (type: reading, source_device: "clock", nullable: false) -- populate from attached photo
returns 9:15
